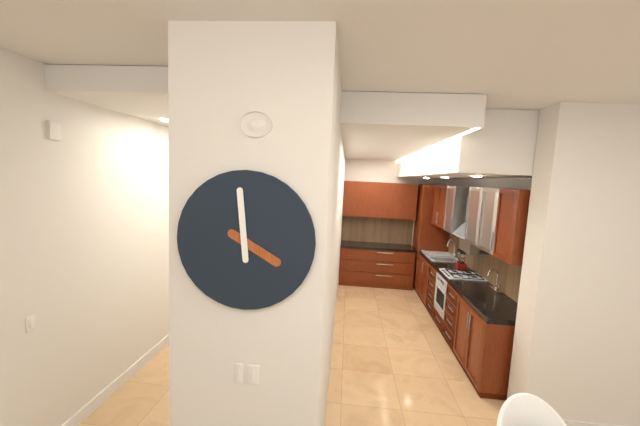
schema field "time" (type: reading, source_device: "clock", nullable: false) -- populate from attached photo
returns 3:59
